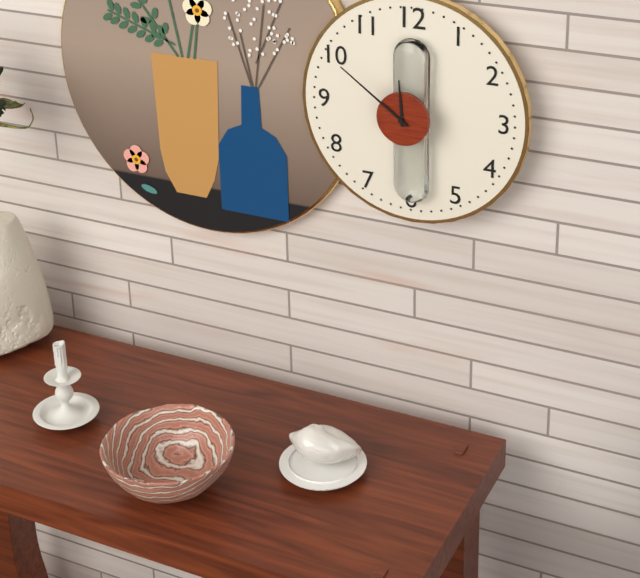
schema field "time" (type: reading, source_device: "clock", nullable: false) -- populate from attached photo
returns 11:51
